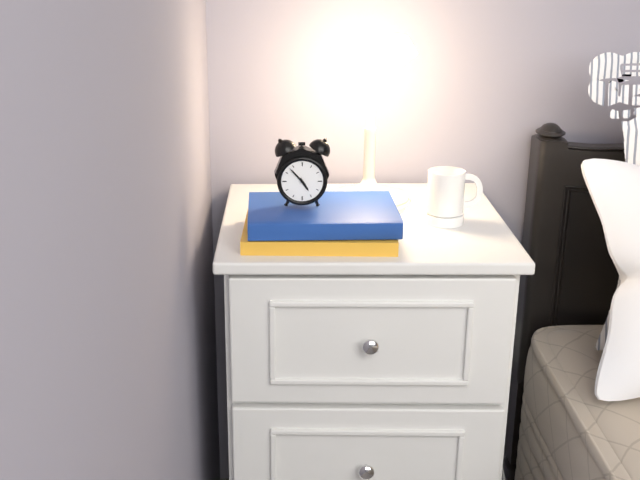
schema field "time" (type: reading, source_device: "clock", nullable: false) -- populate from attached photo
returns 4:53
